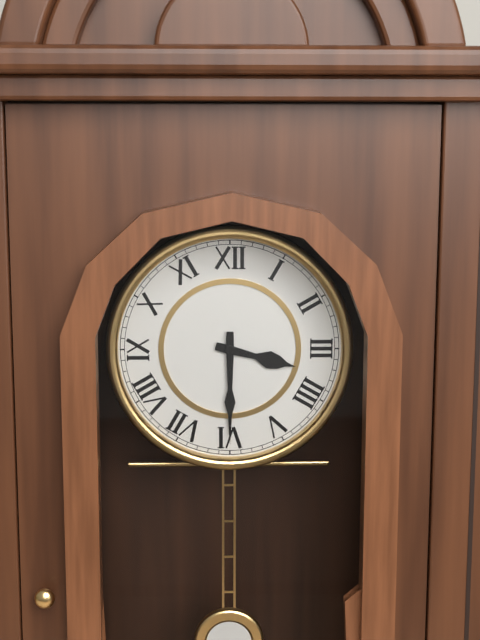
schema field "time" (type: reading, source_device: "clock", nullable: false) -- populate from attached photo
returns 3:30
